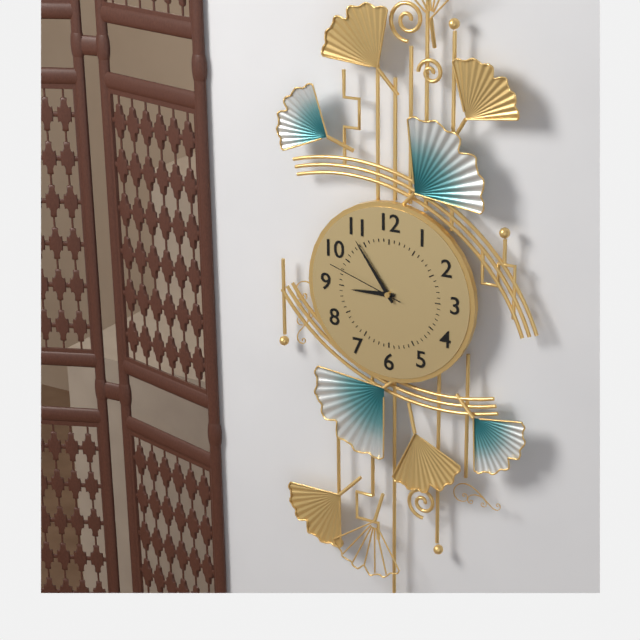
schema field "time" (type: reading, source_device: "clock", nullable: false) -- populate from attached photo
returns 8:54:48
